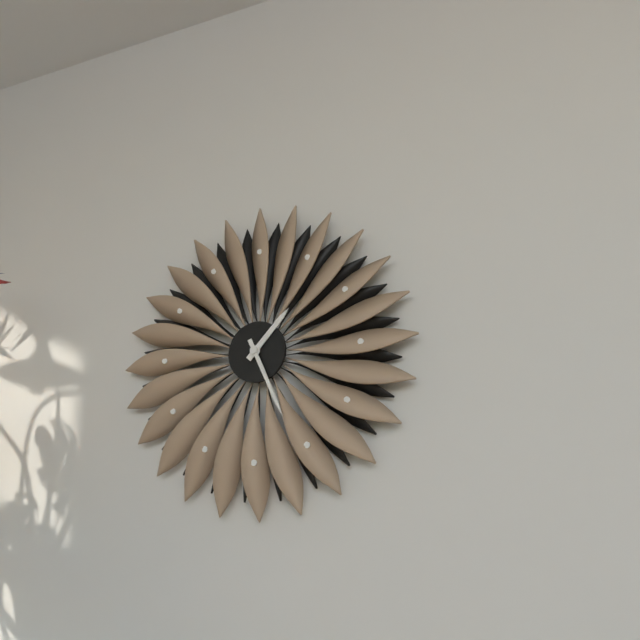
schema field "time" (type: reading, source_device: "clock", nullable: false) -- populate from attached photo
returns 1:26
